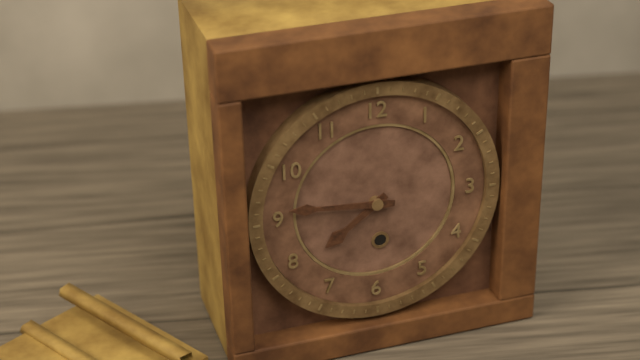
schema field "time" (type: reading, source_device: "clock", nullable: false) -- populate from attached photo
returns 7:46
